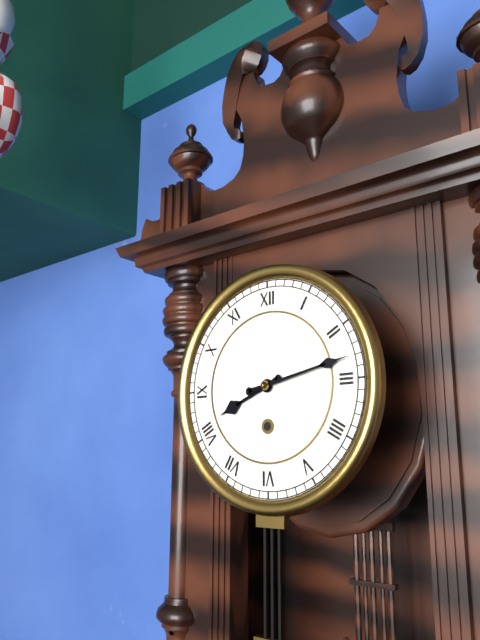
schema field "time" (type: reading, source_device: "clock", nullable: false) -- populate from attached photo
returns 8:13
